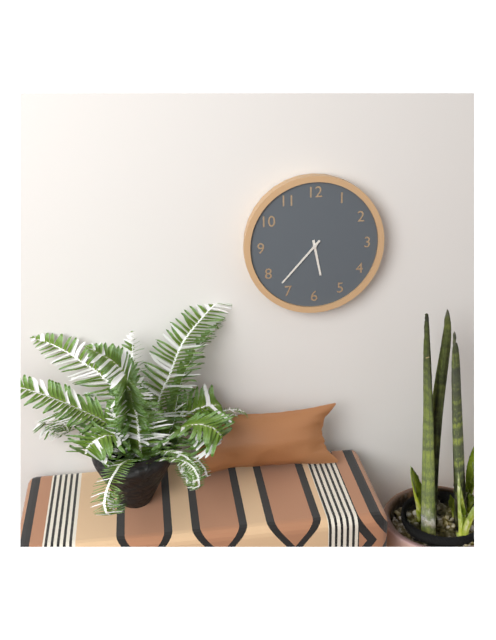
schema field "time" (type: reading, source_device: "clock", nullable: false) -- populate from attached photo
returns 5:37
